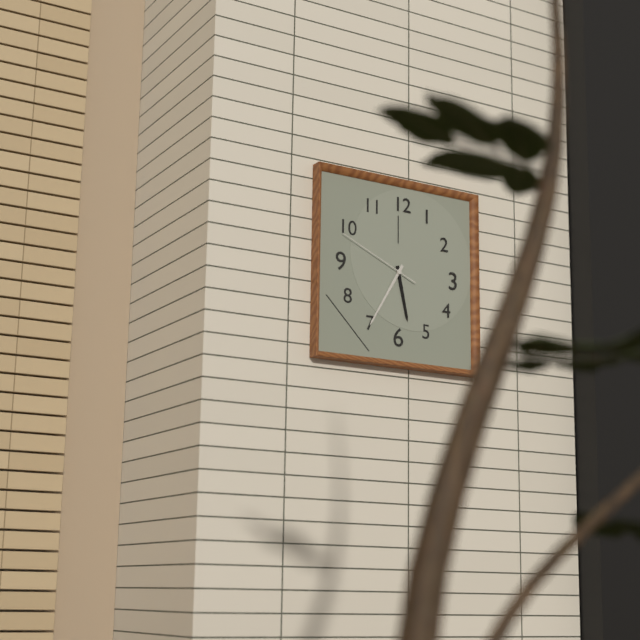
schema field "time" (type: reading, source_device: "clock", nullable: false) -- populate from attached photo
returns 5:35:49
